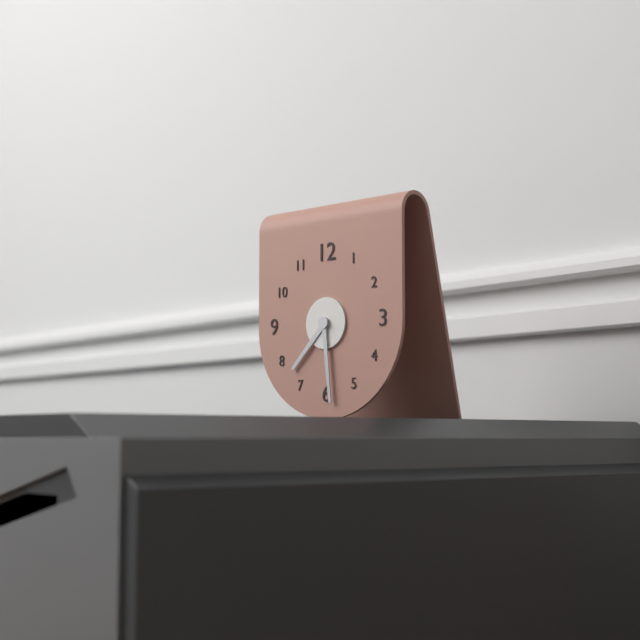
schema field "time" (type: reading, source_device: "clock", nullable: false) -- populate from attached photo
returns 7:29
